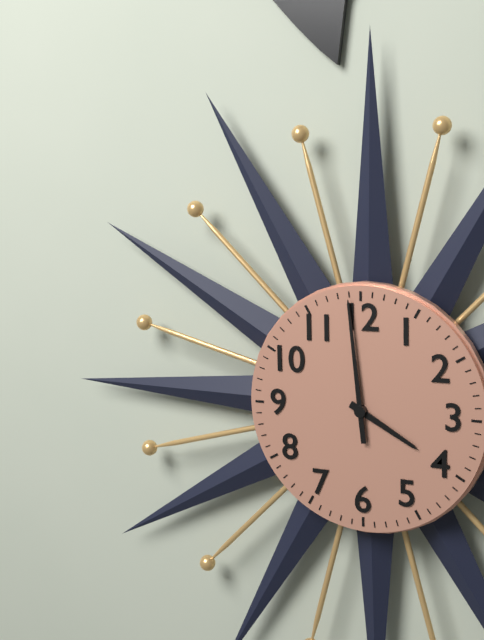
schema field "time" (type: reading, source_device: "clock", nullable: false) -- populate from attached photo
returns 3:59
